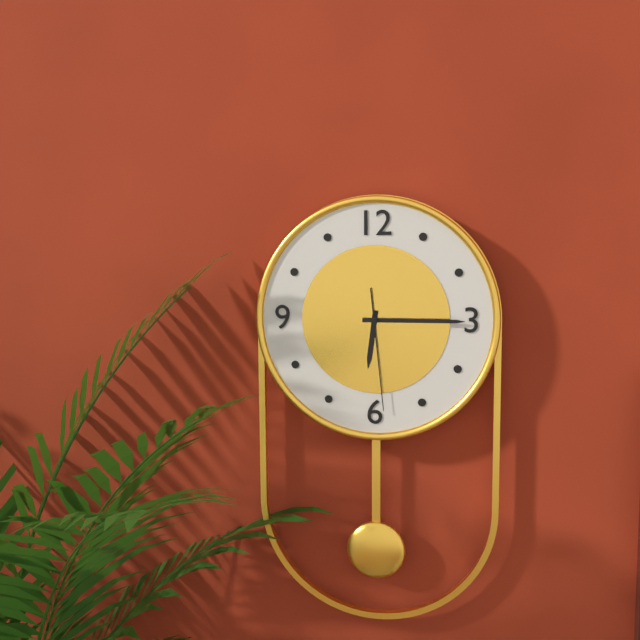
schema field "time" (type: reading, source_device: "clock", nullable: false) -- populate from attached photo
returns 6:15:29
